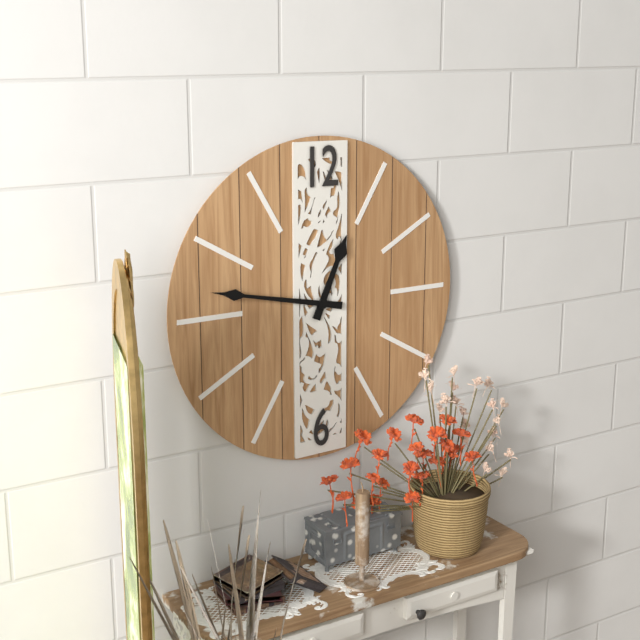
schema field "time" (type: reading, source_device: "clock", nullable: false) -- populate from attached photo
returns 12:47
